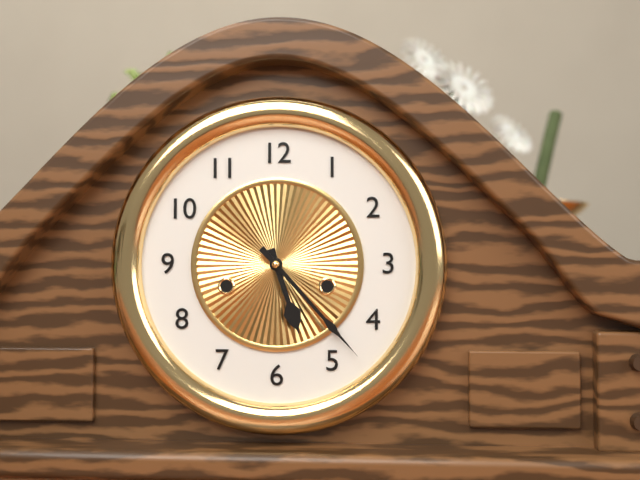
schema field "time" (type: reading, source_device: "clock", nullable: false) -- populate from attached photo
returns 5:23
